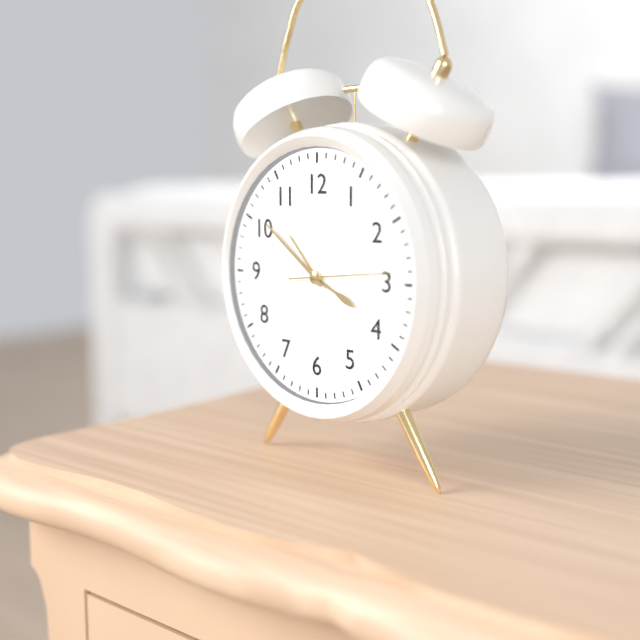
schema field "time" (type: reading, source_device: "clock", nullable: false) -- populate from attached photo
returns 3:51:14
